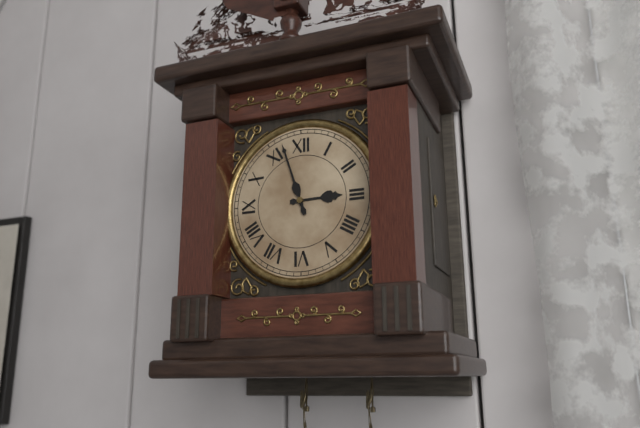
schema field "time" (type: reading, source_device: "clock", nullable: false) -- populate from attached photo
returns 2:57
